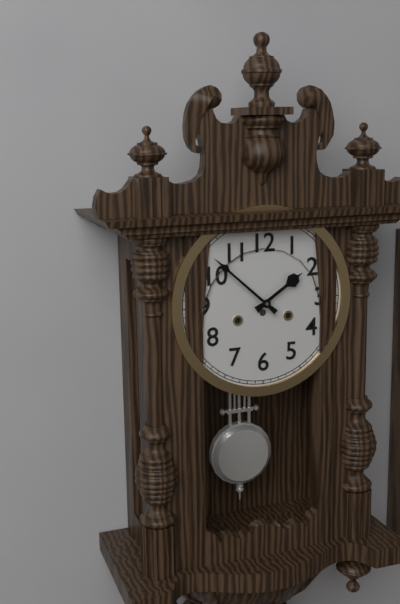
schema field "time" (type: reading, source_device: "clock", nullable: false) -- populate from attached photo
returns 1:52
